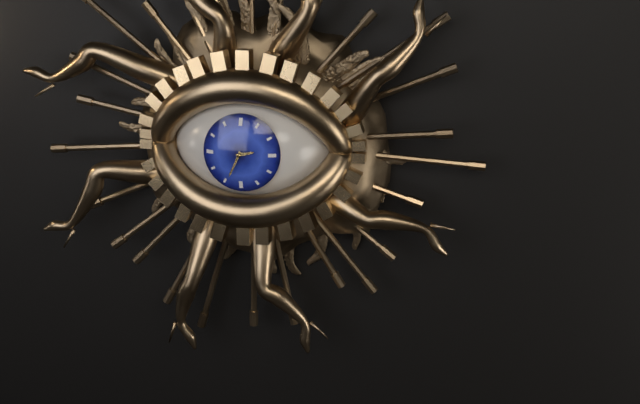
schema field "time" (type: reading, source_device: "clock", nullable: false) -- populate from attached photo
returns 2:34
